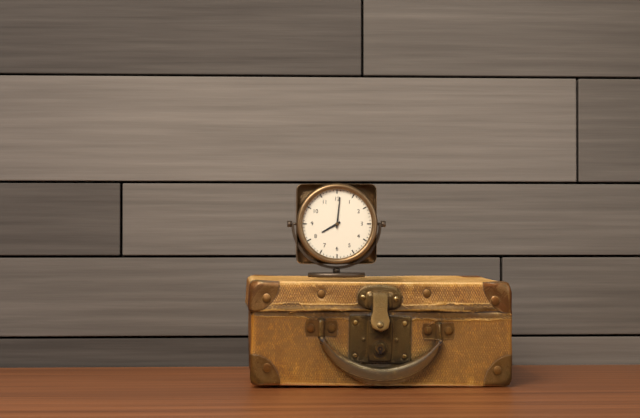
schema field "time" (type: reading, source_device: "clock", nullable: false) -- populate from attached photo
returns 8:01
